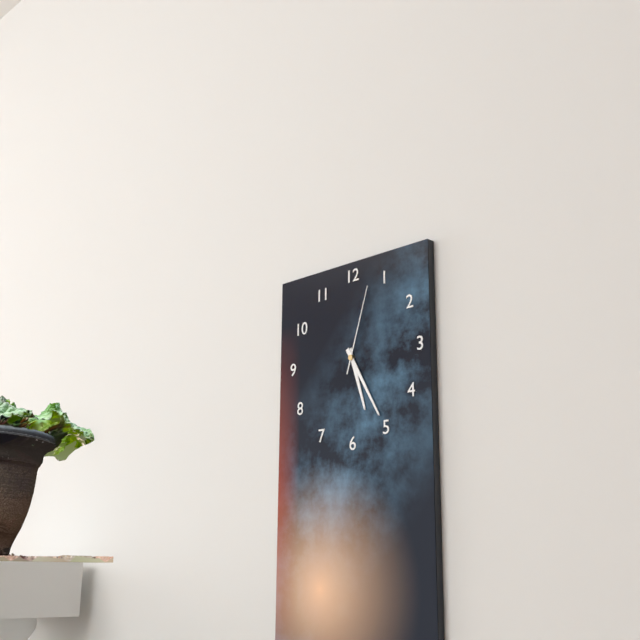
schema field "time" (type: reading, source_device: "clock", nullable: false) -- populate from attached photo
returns 5:25:03
